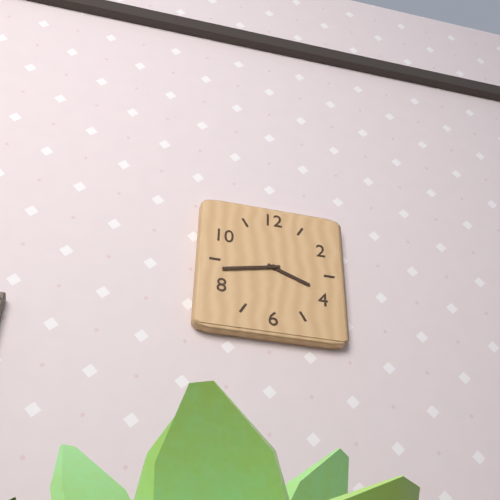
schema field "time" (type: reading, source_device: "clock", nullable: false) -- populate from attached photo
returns 3:43
